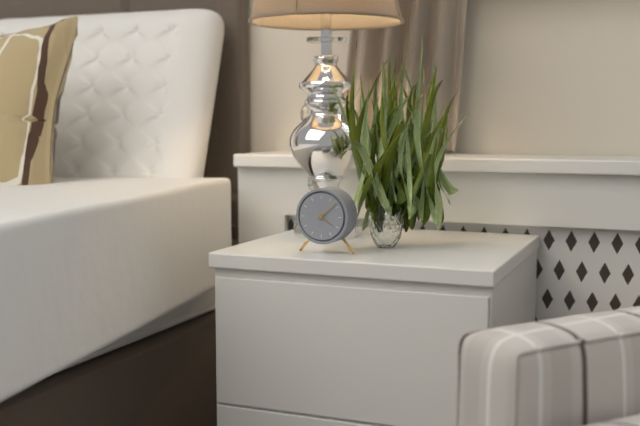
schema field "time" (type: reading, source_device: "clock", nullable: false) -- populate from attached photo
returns 4:08
